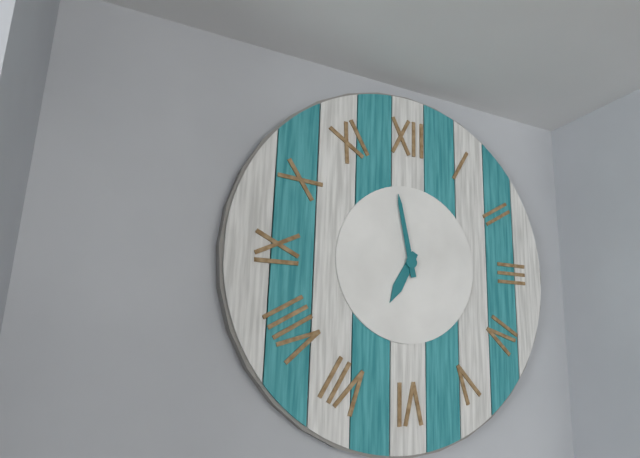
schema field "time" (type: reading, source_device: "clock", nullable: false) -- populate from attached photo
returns 6:58
